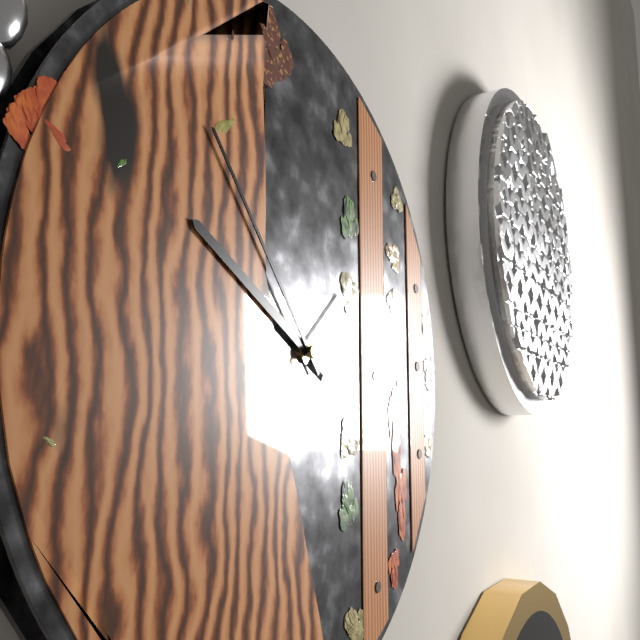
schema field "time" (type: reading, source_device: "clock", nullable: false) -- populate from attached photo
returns 9:53:08
